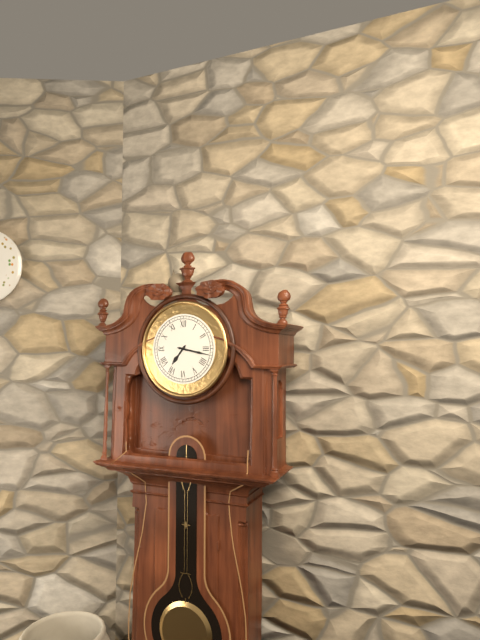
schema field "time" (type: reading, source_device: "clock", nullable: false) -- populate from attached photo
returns 7:17
